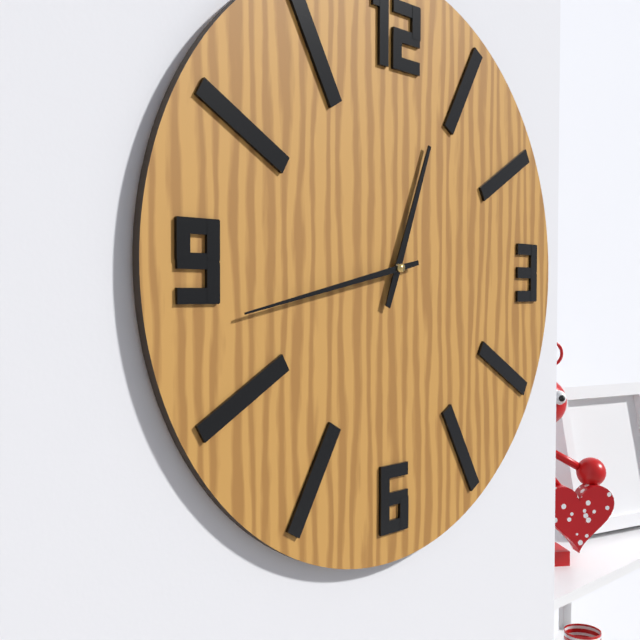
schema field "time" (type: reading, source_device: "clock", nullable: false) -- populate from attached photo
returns 12:43
